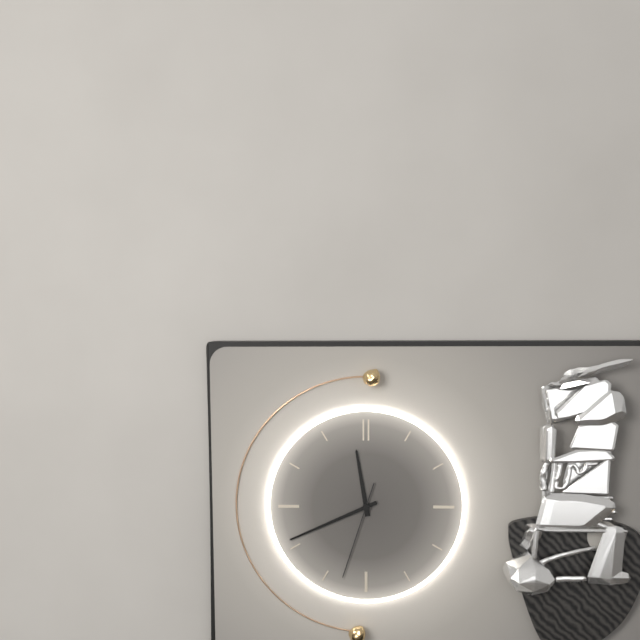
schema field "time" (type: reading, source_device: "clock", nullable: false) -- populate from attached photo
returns 11:41:33
